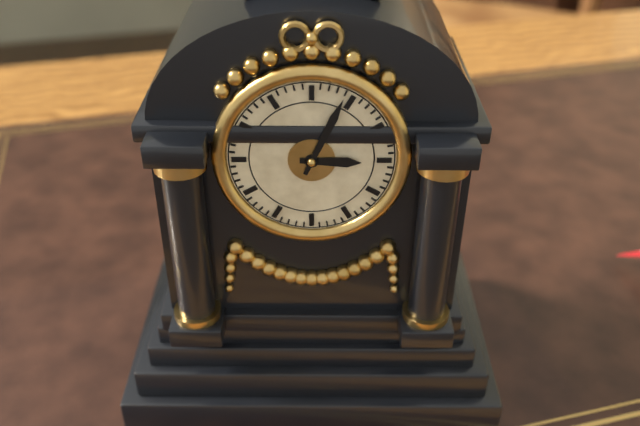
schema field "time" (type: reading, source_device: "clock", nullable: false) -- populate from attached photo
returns 3:04
